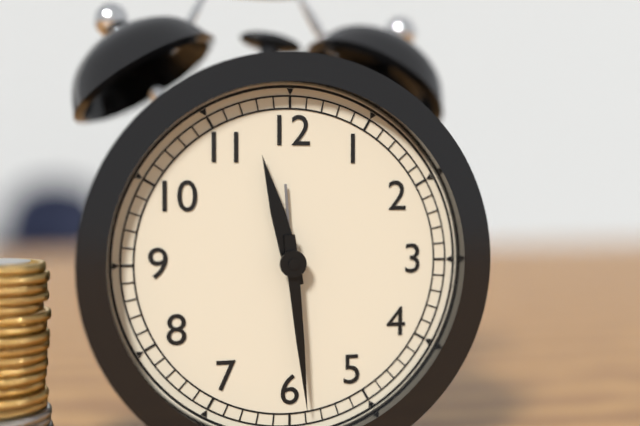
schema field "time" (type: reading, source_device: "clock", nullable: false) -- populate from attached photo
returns 11:29
